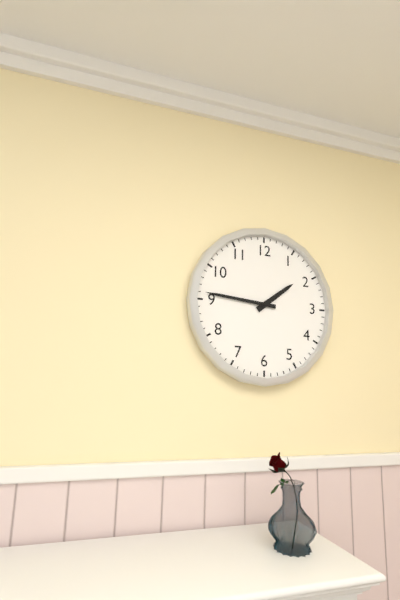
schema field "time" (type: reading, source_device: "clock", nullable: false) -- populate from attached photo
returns 1:46
